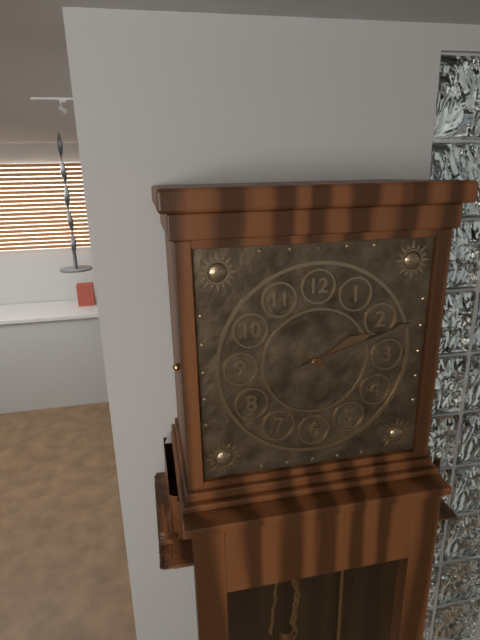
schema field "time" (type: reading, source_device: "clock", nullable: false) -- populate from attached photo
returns 2:12
